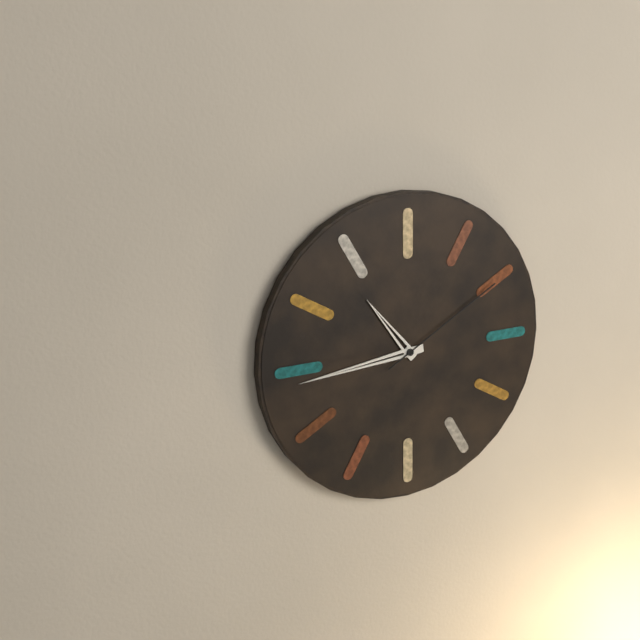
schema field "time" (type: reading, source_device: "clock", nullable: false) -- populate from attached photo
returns 10:44:10
